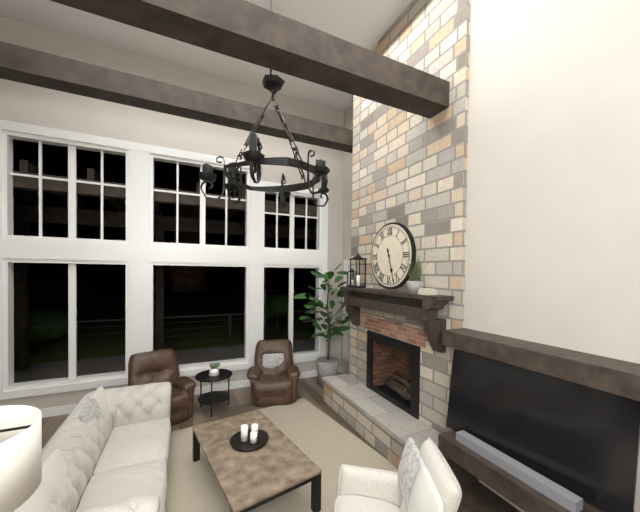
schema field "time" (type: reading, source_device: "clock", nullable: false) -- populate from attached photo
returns 5:27
